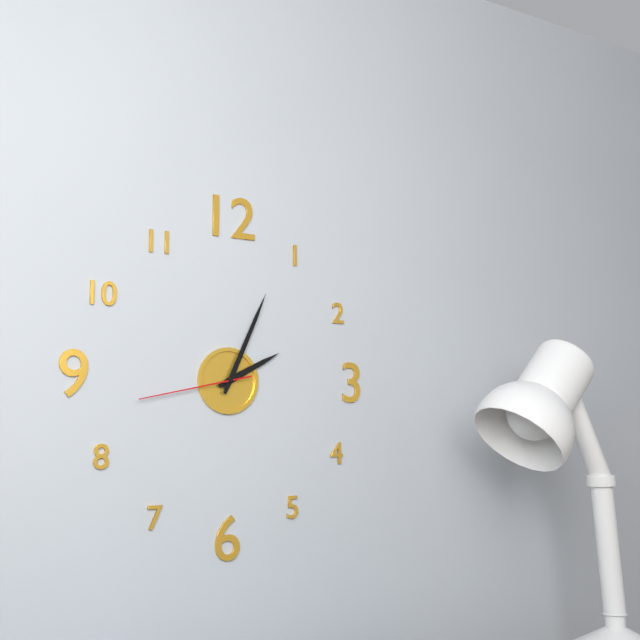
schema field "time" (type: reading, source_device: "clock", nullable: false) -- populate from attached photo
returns 2:04:43
